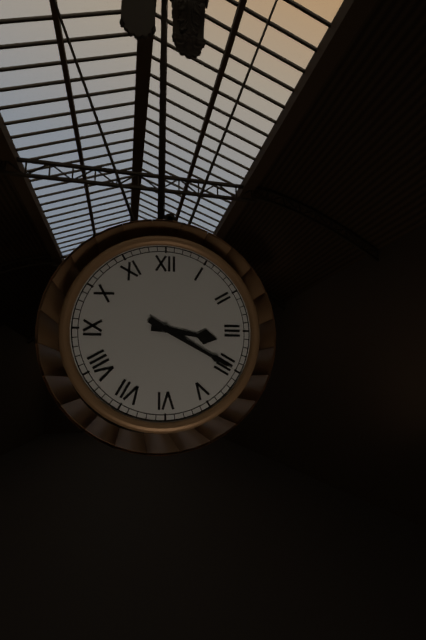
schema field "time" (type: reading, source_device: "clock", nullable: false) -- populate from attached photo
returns 3:20
